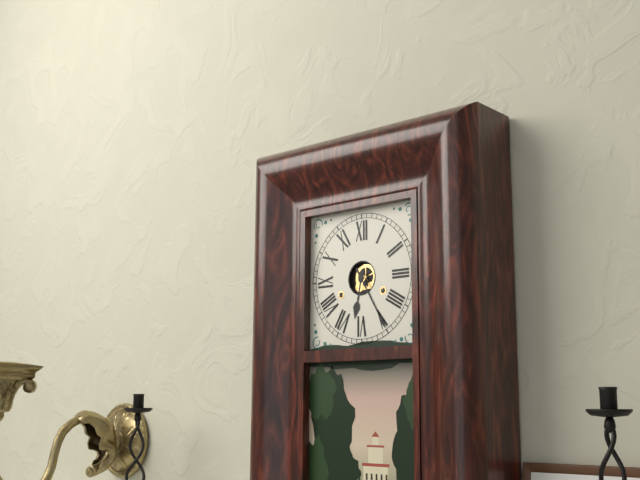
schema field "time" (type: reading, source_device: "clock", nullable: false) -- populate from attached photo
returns 6:25
